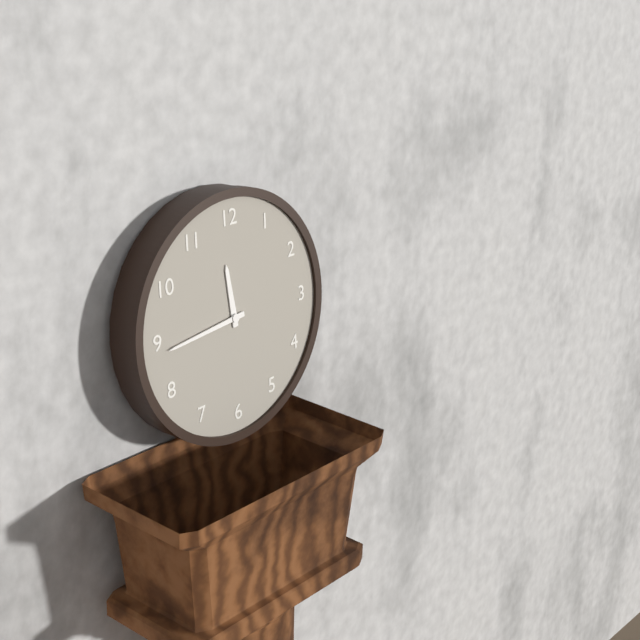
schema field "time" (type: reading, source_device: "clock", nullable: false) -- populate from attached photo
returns 11:44
